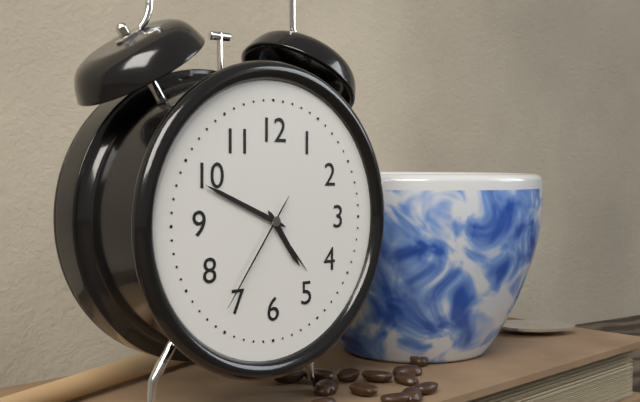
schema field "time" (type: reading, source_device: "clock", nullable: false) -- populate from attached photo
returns 4:49:36
